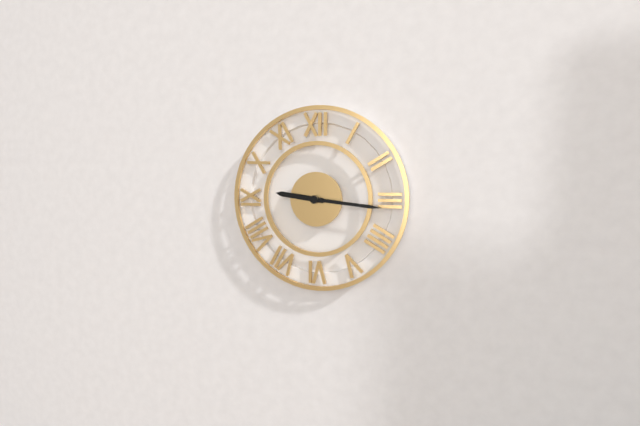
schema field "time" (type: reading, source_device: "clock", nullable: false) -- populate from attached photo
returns 9:16
